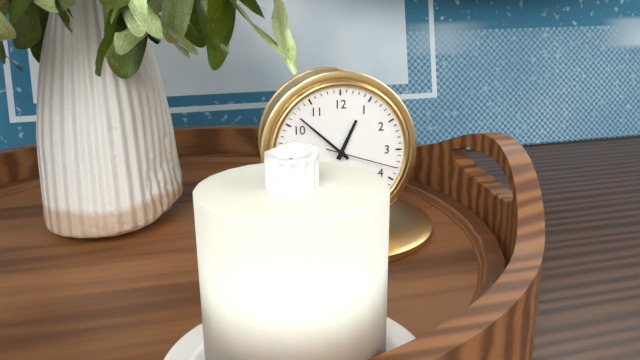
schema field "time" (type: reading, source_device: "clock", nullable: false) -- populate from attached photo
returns 12:52:18
